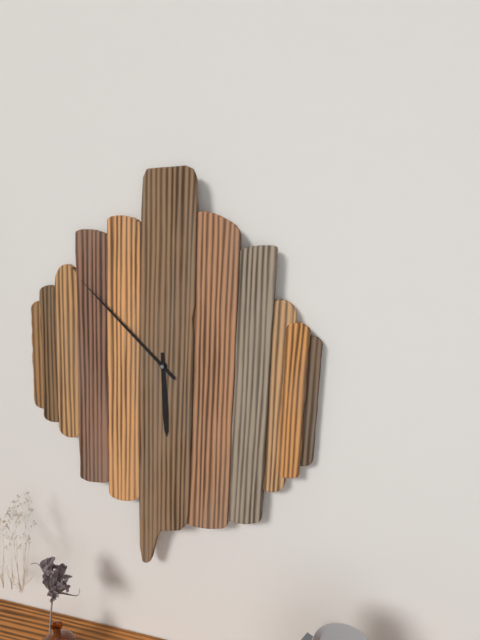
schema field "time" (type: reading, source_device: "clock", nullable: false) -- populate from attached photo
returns 5:52
